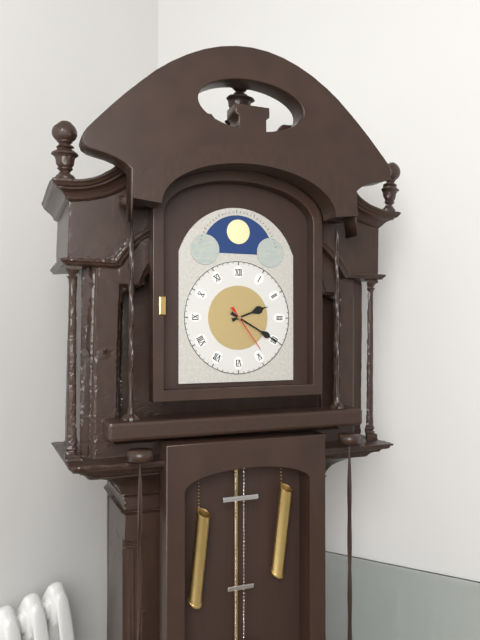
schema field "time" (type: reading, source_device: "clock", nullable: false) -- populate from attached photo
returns 2:20
